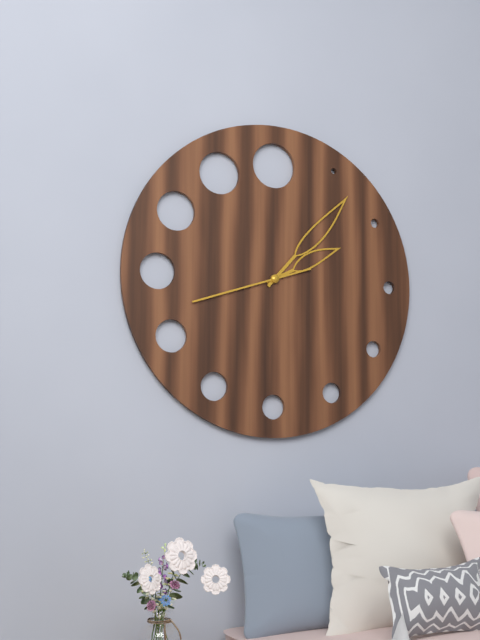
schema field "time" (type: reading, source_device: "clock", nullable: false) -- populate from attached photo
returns 2:07:42
